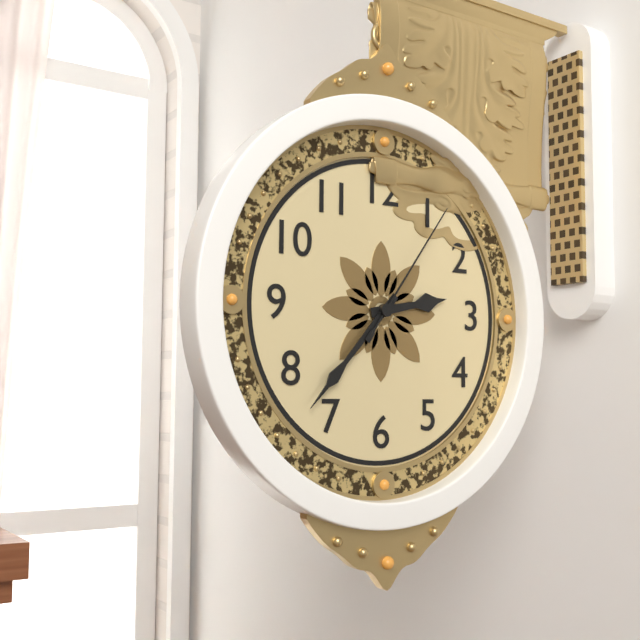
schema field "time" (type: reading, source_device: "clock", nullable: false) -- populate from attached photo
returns 2:37:06
